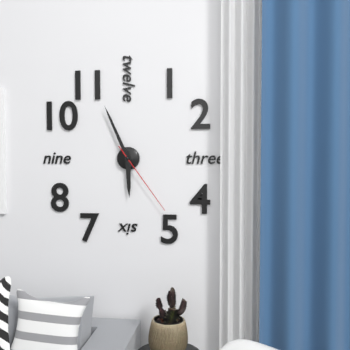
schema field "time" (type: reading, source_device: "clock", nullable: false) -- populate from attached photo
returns 5:56:24
